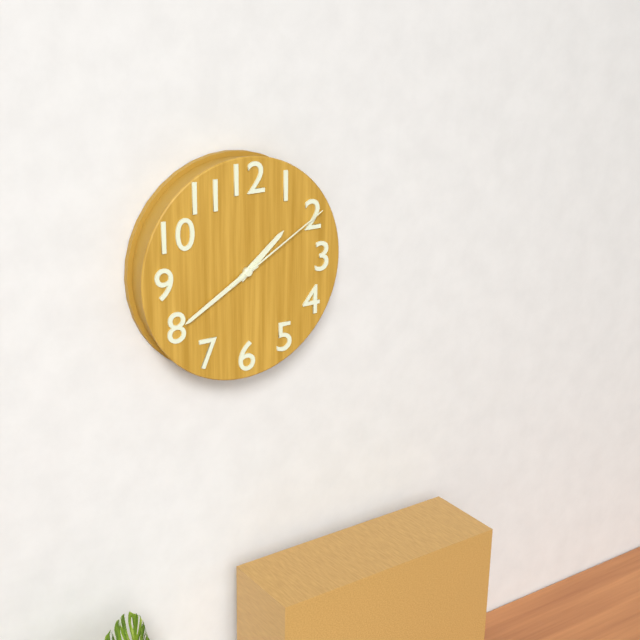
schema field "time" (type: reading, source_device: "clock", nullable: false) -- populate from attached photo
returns 1:40:10
